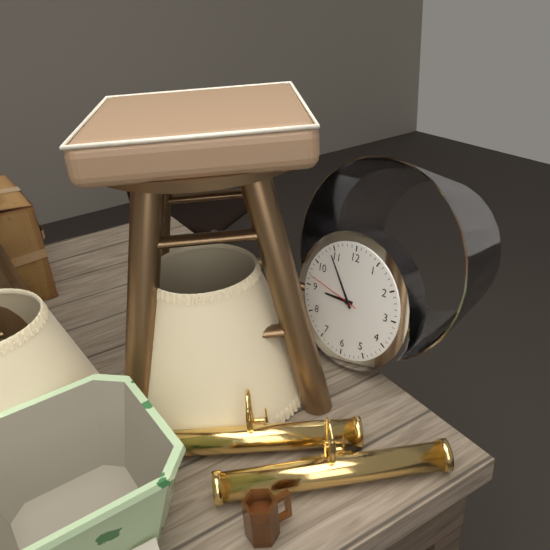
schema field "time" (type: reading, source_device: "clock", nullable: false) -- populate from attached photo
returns 8:54:47
